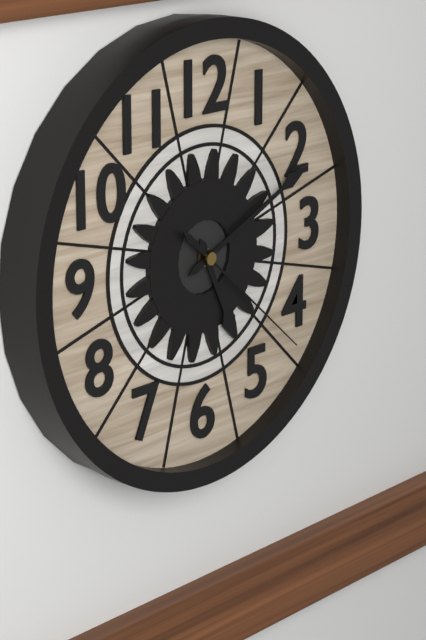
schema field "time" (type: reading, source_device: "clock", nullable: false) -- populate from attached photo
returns 5:11:22
